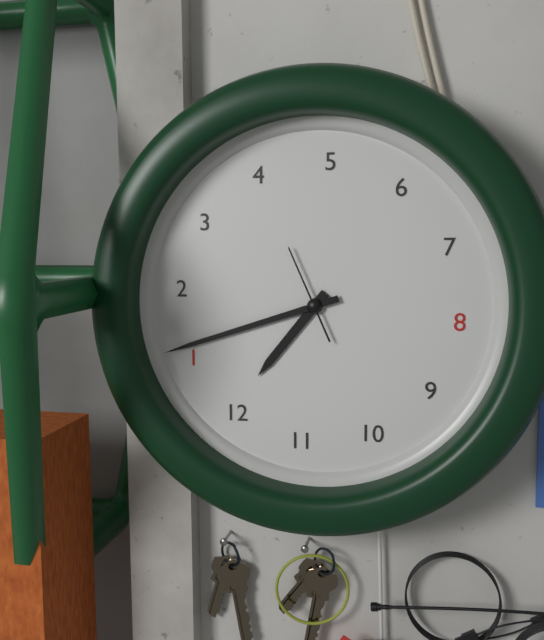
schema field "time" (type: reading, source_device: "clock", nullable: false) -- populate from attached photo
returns 12:06:20
